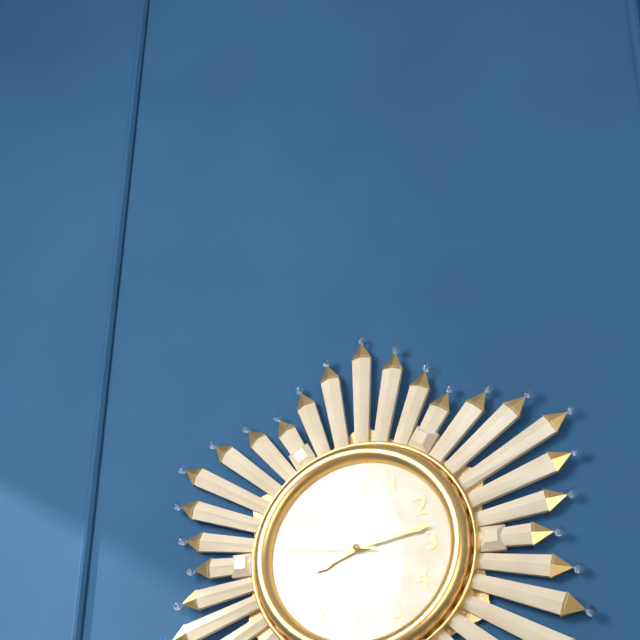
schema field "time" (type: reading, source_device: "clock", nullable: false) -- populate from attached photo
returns 8:13:46
